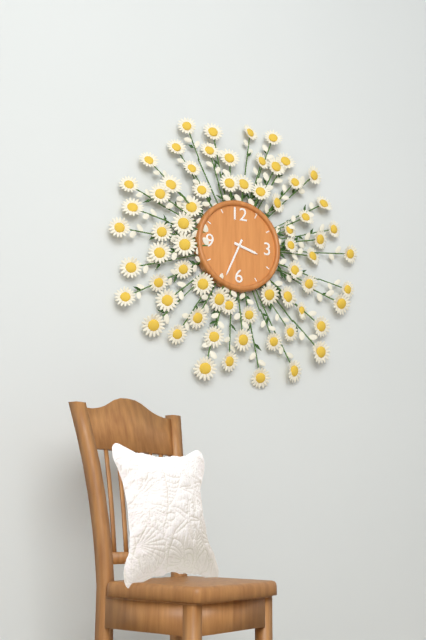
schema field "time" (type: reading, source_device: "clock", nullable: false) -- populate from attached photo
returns 3:34
